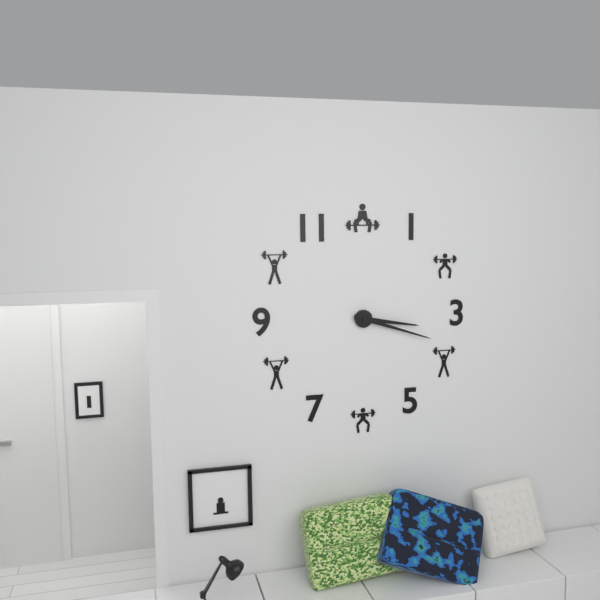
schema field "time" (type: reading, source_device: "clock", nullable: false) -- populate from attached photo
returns 3:18
